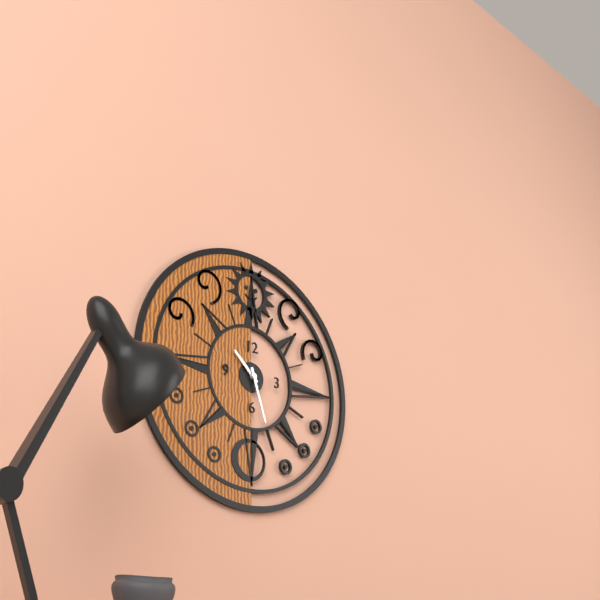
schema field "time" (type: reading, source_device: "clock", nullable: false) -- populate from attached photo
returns 10:27
